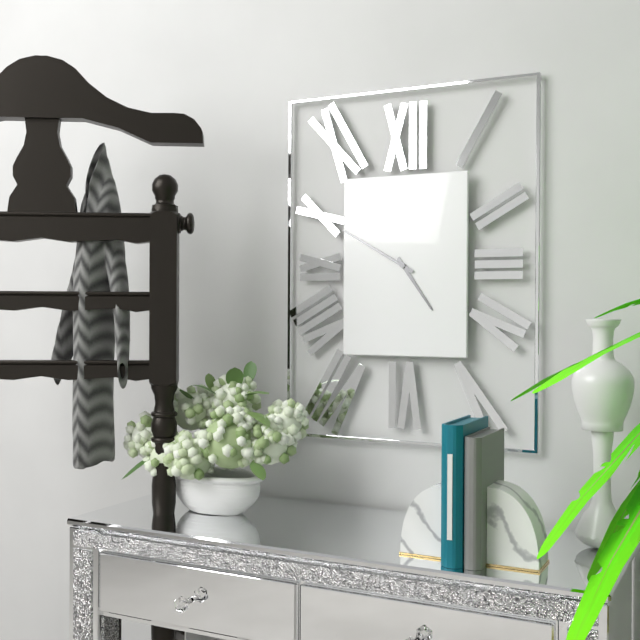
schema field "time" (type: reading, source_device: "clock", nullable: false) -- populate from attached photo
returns 4:50
